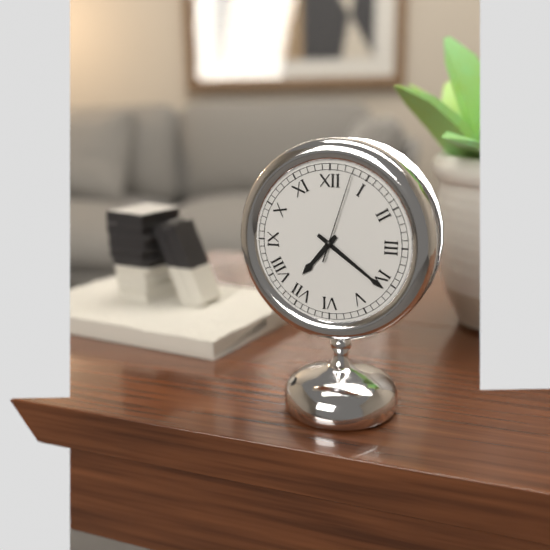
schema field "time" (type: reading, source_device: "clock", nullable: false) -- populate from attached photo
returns 7:21:03
